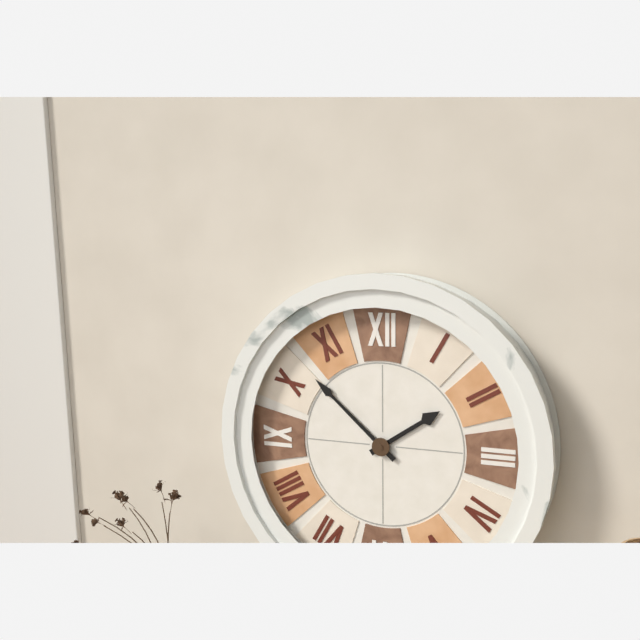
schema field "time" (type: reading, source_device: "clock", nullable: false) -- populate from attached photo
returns 1:52
